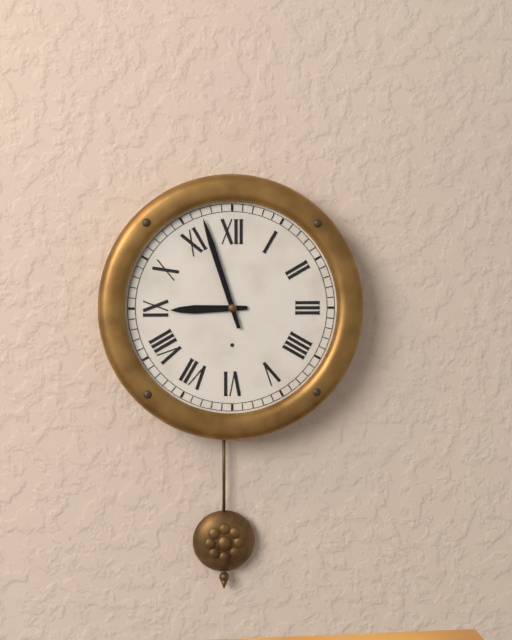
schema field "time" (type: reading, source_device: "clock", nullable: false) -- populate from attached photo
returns 8:57
